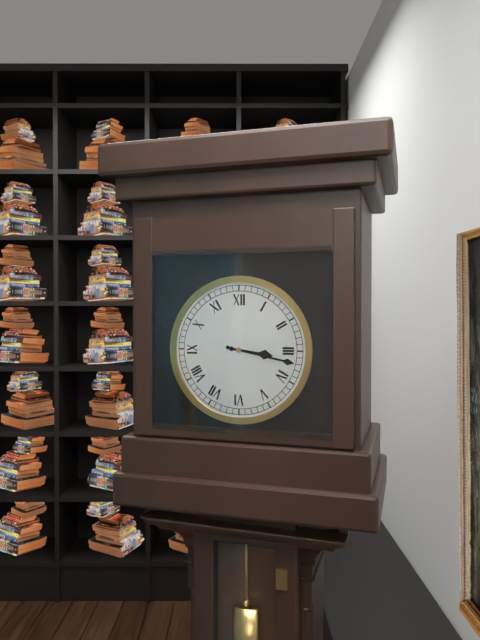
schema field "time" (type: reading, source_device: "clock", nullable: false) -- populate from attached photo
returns 3:17
